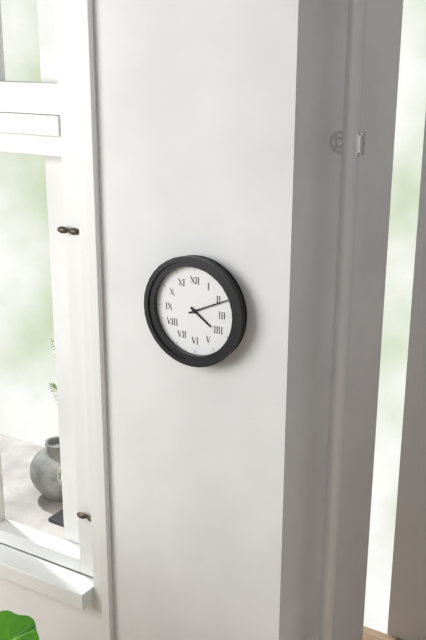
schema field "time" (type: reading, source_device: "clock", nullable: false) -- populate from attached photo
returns 4:11
